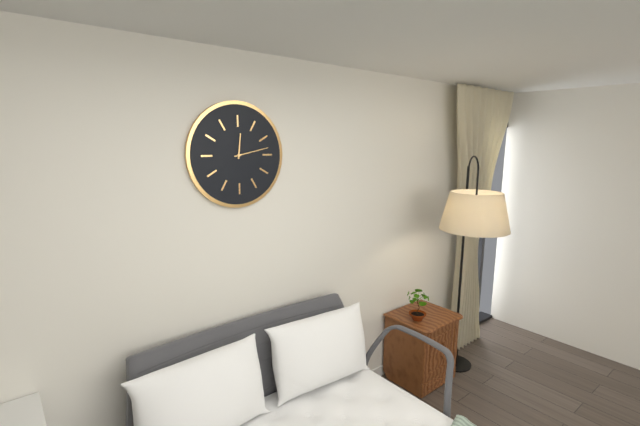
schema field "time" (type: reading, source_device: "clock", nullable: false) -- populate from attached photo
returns 12:13
